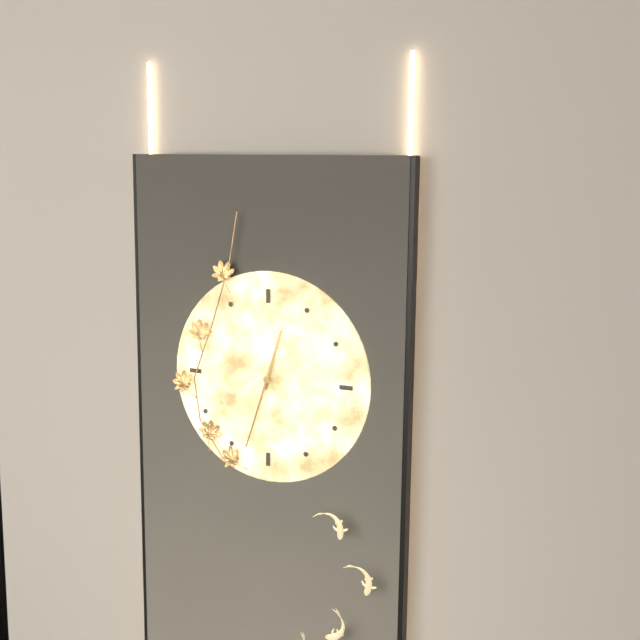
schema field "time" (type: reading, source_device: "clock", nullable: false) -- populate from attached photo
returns 12:33
